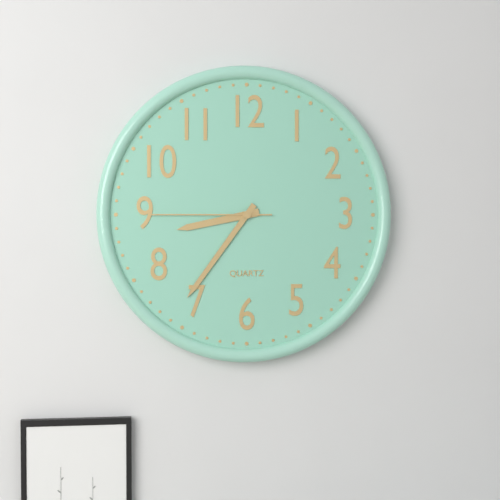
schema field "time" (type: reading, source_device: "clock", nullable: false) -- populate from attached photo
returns 8:36:45
